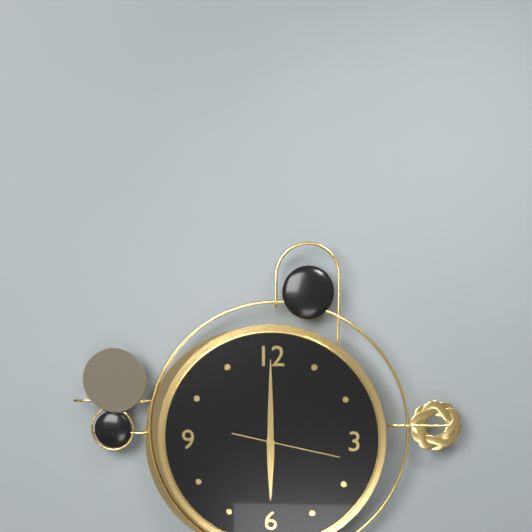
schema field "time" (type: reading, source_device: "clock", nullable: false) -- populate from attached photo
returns 6:00:17
